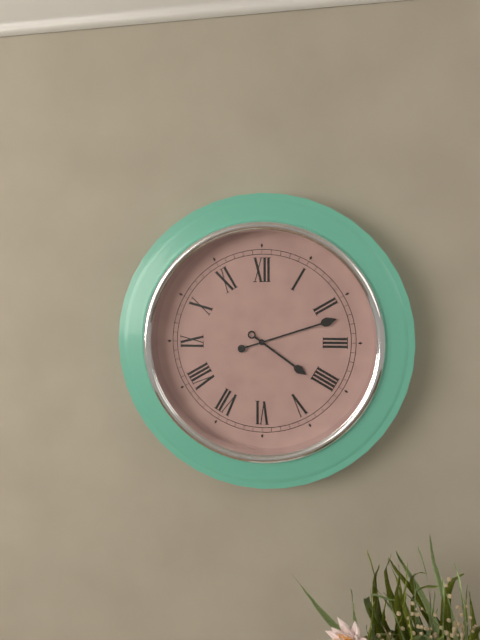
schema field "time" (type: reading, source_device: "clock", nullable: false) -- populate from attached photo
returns 4:12
